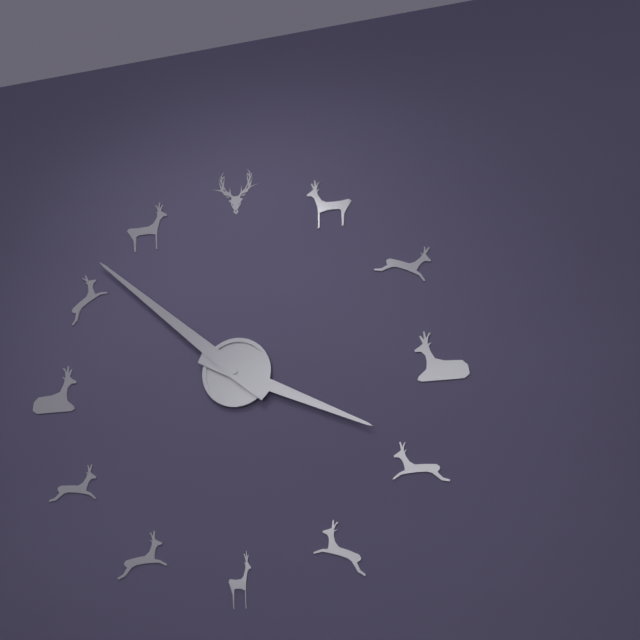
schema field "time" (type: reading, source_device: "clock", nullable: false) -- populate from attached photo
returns 3:52
